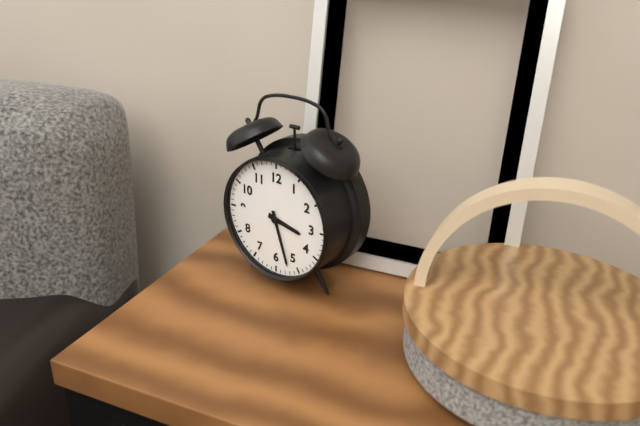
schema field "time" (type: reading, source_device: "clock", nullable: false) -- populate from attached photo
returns 3:27
